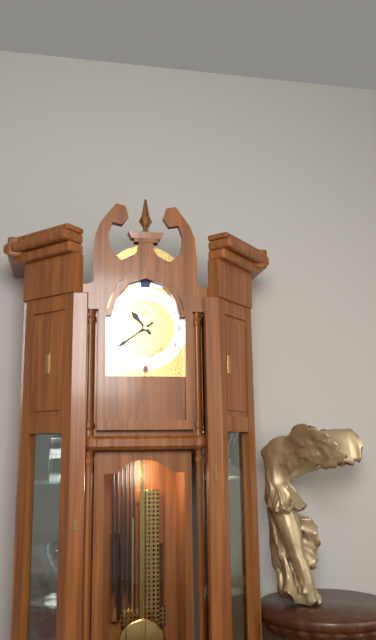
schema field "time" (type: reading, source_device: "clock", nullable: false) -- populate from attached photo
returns 10:39
